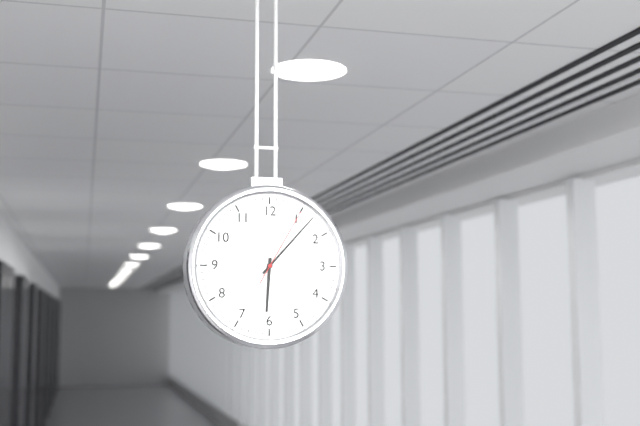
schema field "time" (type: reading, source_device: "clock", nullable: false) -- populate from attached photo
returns 6:07:05
